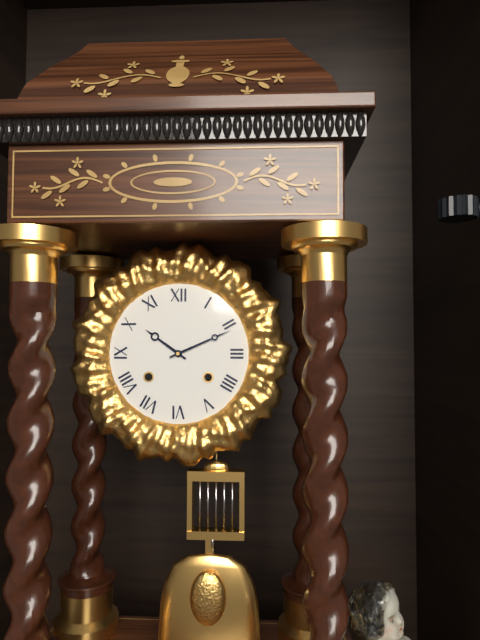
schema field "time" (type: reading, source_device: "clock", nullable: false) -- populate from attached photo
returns 10:11
